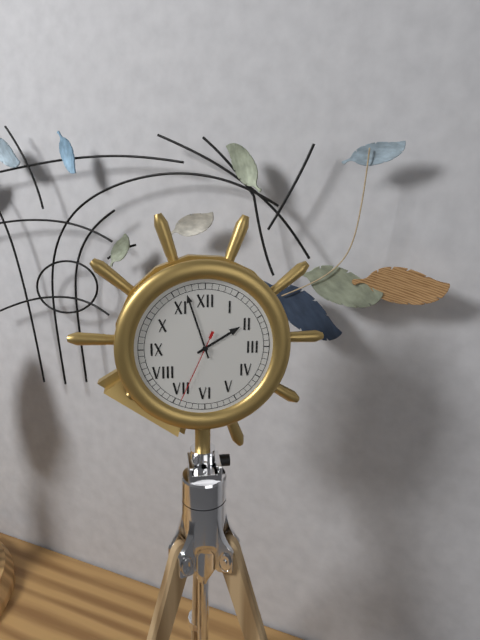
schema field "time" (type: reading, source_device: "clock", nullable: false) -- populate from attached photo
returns 1:57:34
